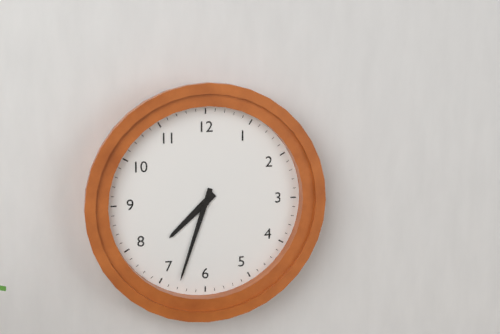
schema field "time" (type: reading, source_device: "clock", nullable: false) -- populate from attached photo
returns 7:33
